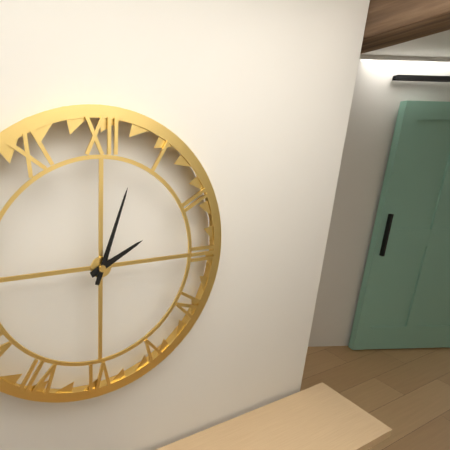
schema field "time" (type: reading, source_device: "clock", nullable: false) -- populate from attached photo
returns 2:03
